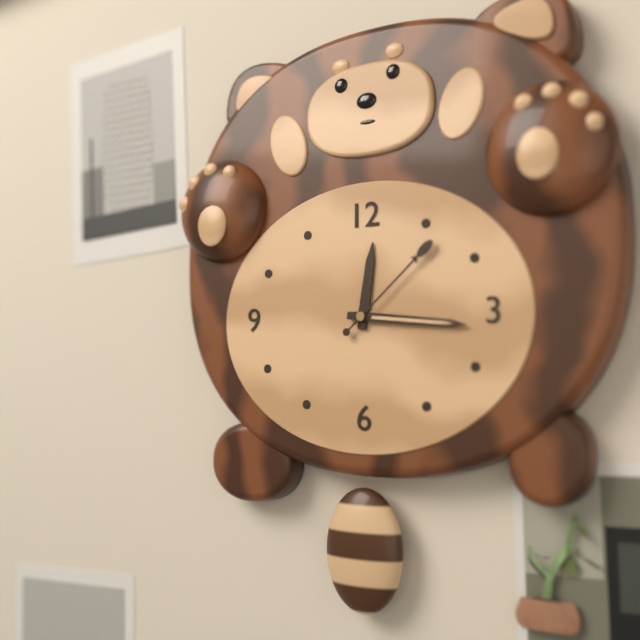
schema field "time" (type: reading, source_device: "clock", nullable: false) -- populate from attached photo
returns 12:16:08
